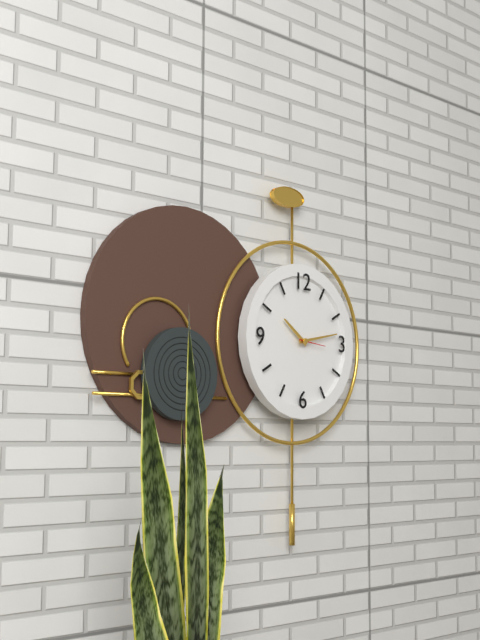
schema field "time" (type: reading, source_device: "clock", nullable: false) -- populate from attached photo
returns 10:13
